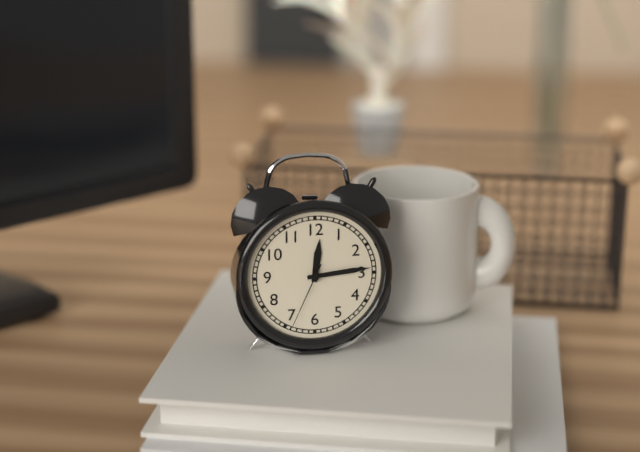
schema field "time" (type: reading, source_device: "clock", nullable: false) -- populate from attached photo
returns 12:14:34
